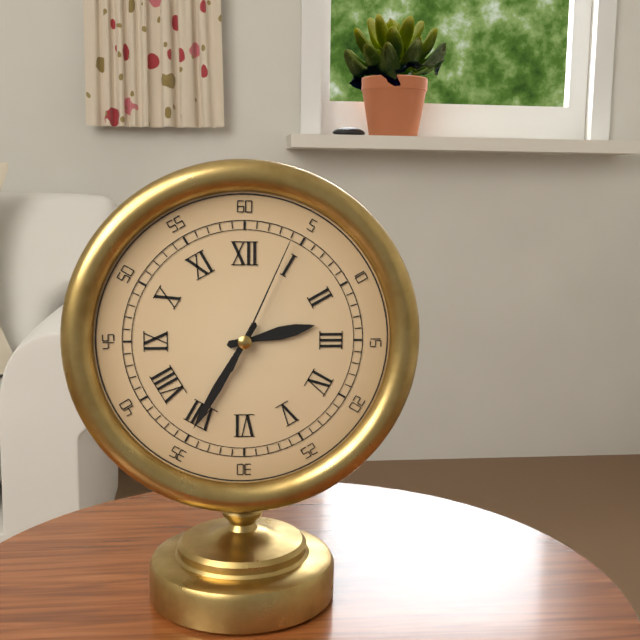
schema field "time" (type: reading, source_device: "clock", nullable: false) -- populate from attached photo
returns 2:35:04
